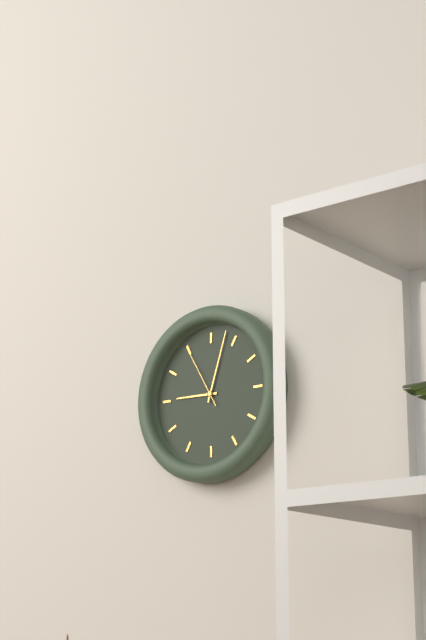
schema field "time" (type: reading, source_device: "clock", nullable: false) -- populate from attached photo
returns 9:03:55
